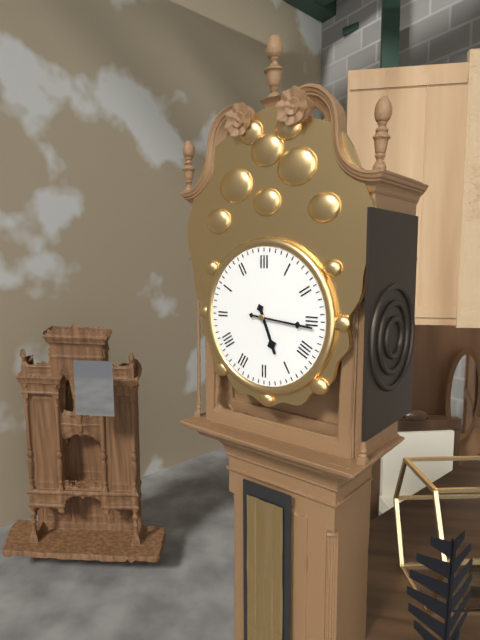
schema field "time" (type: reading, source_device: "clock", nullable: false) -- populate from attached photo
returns 5:16
